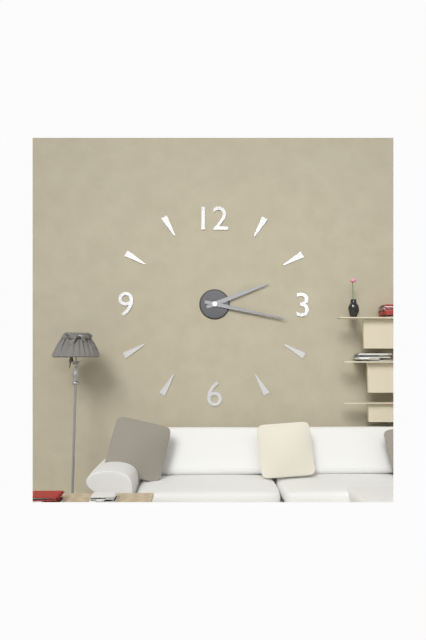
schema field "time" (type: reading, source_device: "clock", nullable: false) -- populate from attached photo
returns 2:17
